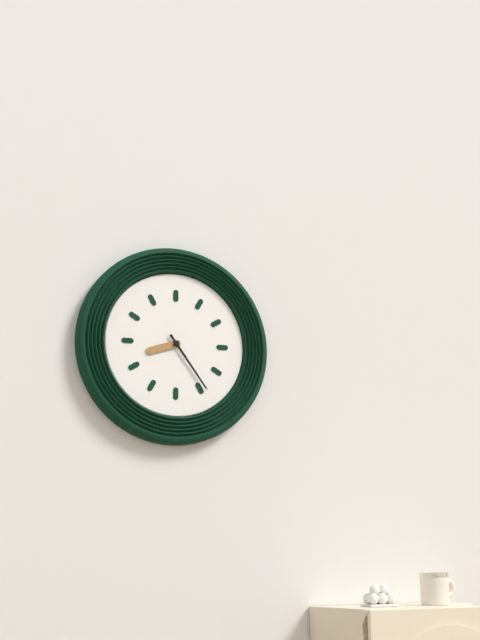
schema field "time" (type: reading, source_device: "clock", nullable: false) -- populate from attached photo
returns 8:24
